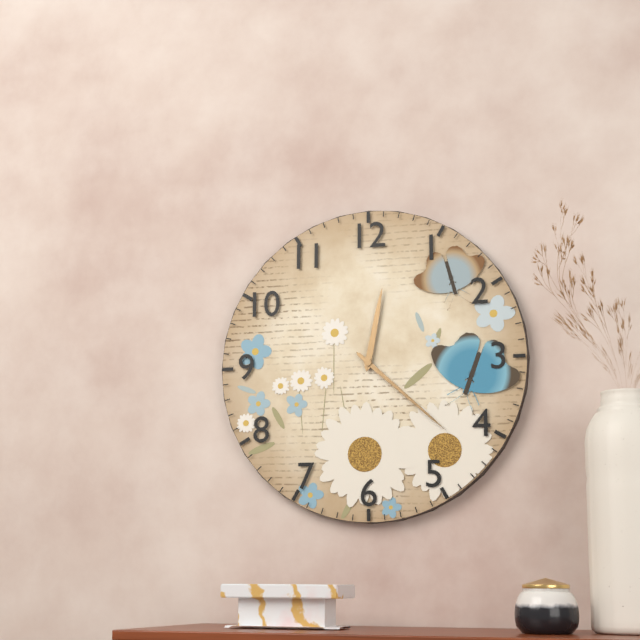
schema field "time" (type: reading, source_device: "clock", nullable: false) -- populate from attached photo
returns 12:22
